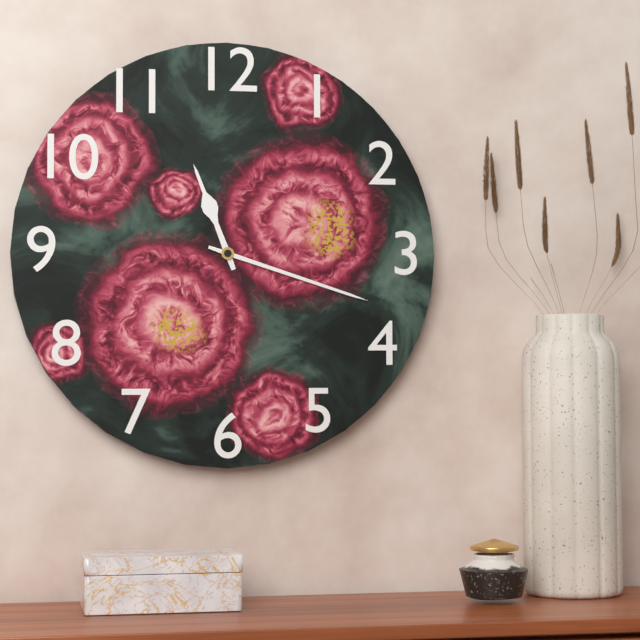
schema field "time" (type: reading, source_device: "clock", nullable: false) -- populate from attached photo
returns 11:18
